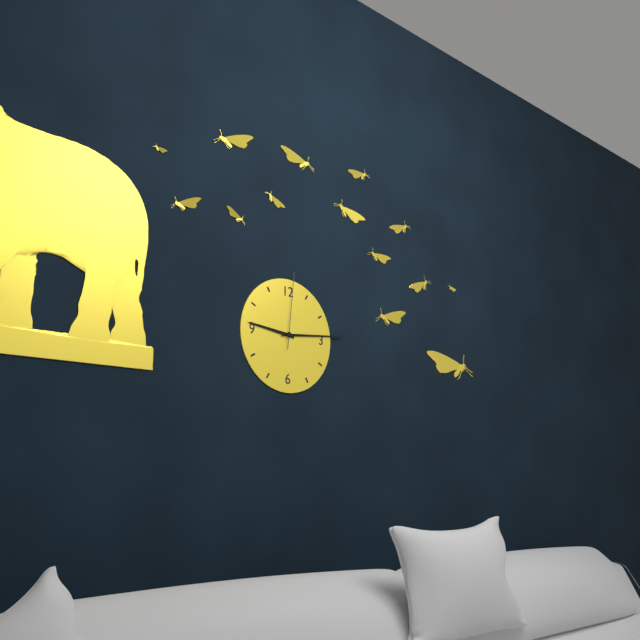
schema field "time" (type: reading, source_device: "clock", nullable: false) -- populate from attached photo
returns 9:14:01
